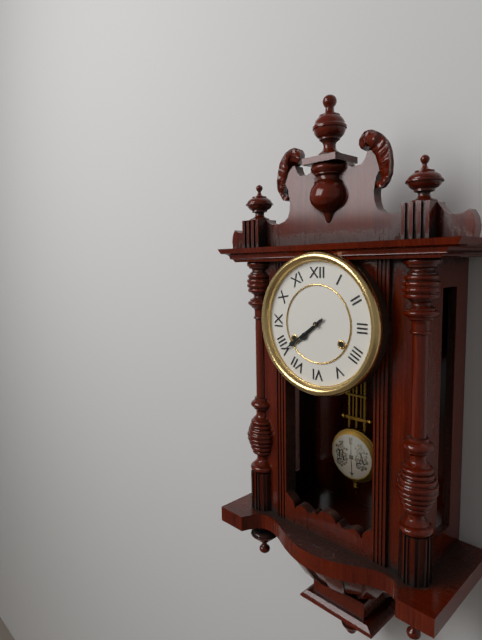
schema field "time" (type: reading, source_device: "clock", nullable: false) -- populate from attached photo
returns 7:39
